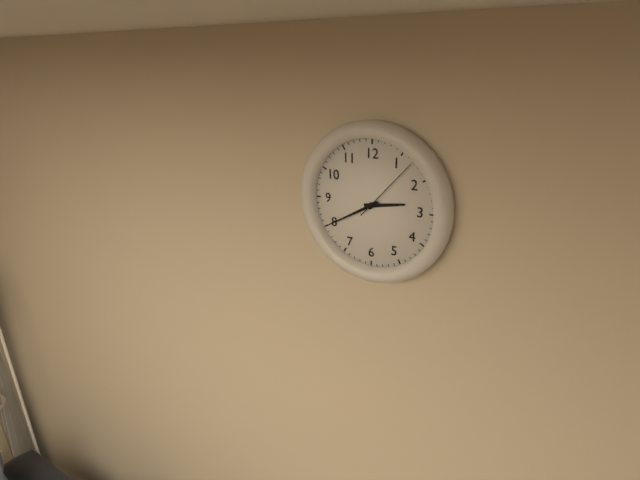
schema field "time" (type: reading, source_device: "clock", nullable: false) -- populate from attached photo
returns 2:40:07
